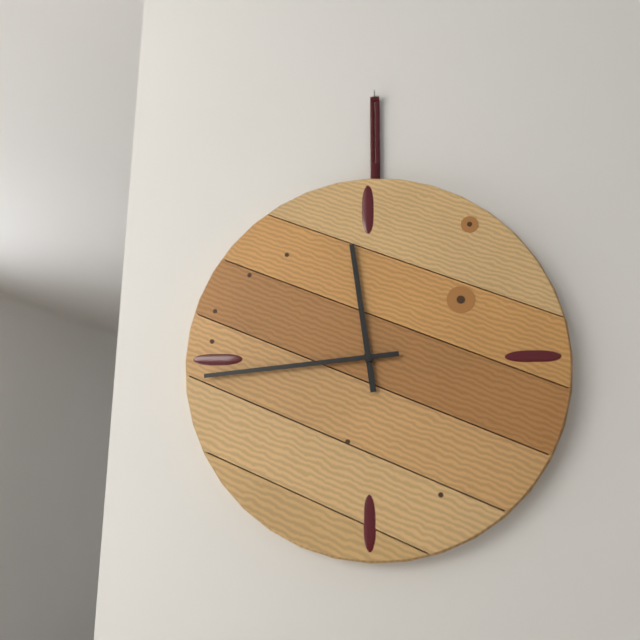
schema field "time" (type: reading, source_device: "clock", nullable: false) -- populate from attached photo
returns 11:44
